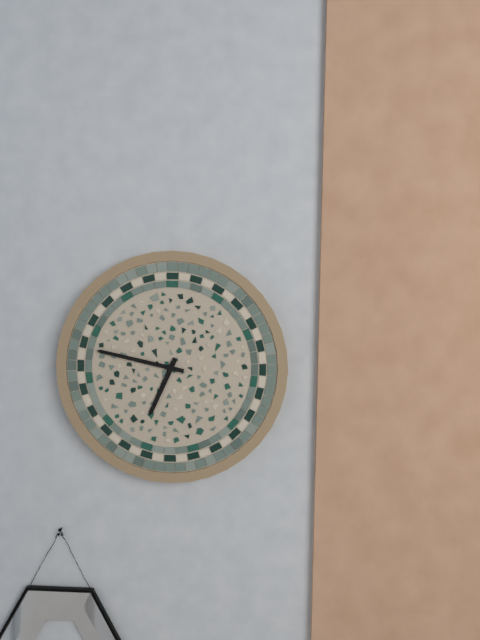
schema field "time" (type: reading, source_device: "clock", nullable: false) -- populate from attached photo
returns 6:47
